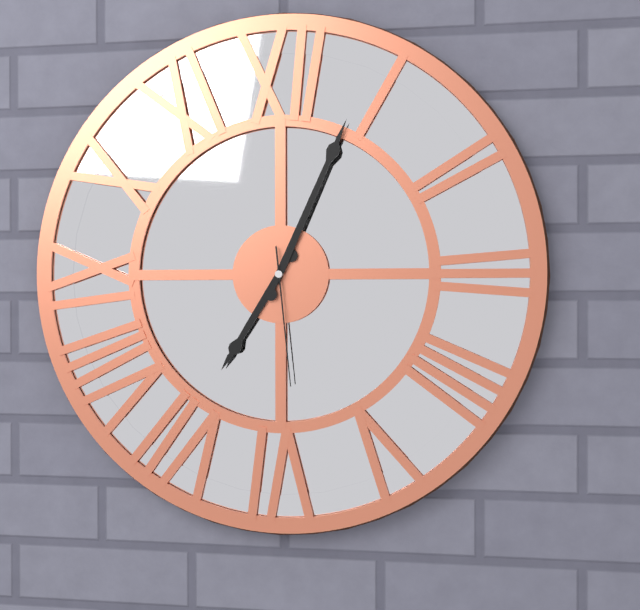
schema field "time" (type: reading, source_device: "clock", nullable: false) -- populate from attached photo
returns 7:04:29
